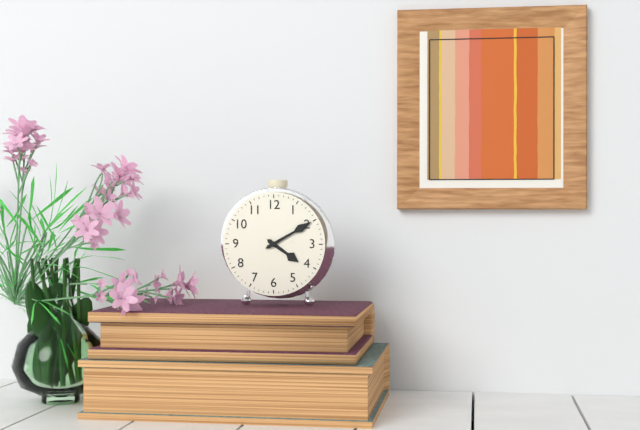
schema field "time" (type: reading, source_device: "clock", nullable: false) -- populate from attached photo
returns 4:10
